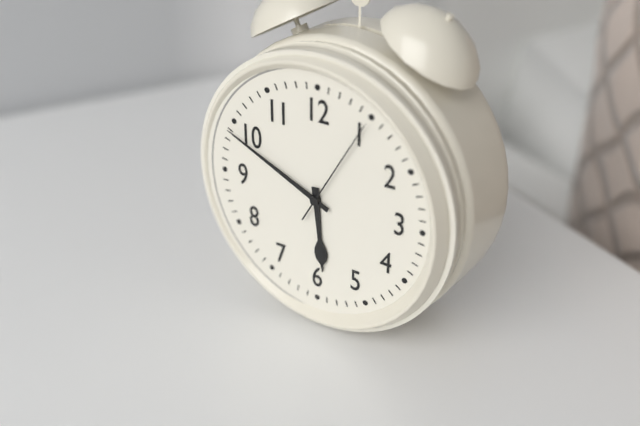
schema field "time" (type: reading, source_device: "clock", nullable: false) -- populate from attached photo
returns 5:49:05
